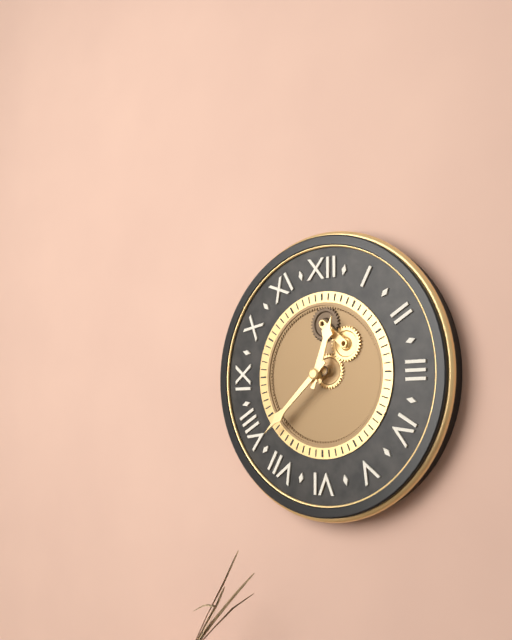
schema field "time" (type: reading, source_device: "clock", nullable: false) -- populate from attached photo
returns 12:38
